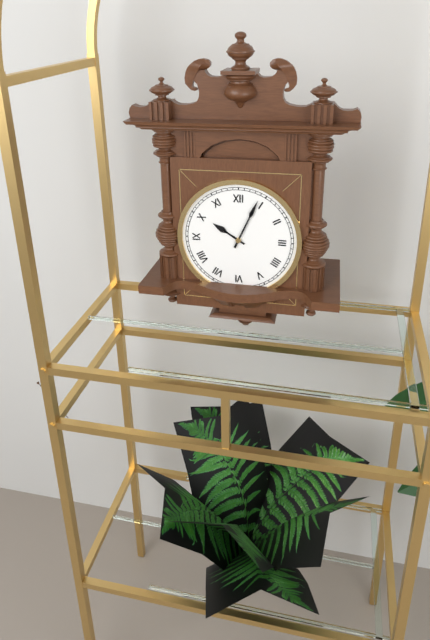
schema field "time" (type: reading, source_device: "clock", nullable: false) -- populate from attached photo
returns 10:04
